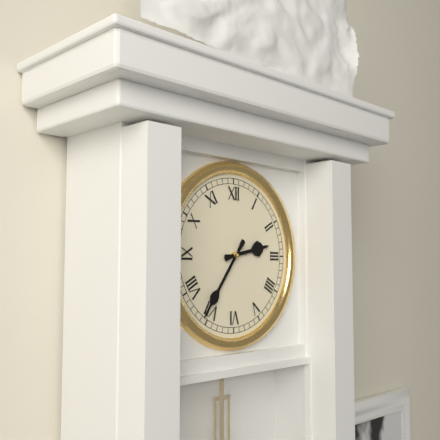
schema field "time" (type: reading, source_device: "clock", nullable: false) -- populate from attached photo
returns 2:36
